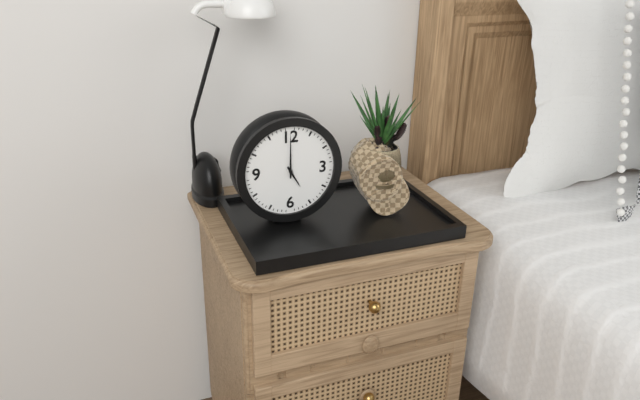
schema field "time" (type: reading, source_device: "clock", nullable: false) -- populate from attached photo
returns 5:00
